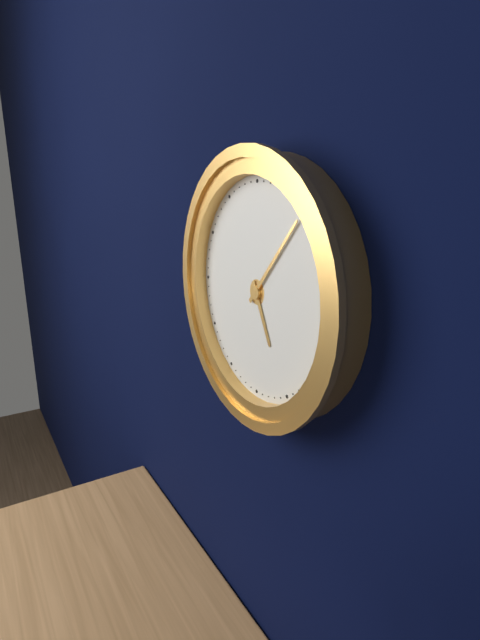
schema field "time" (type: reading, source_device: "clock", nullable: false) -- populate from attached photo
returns 5:07
